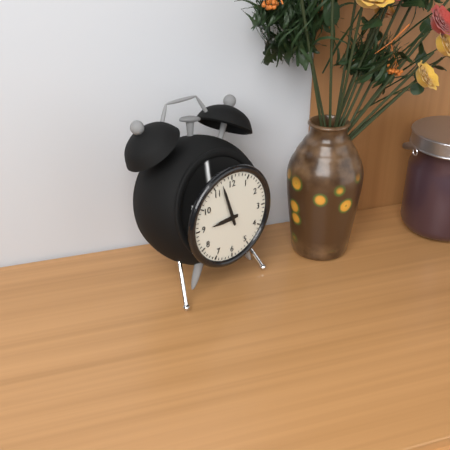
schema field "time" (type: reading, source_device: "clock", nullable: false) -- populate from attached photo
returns 8:57
